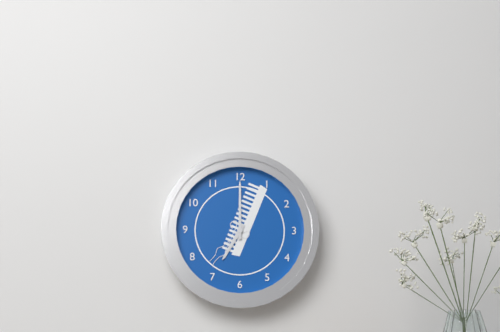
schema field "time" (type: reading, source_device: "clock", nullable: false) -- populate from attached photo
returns 7:00
